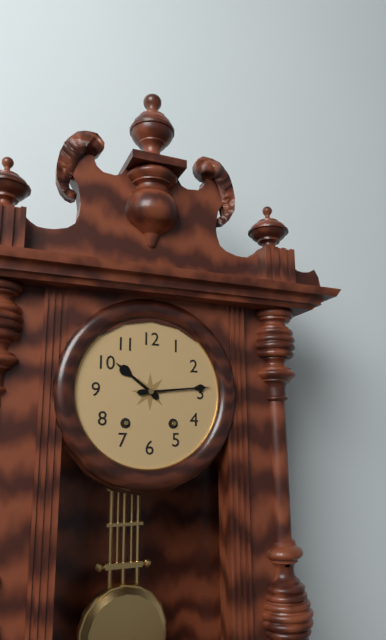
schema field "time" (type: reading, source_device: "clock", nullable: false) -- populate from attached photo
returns 10:14
